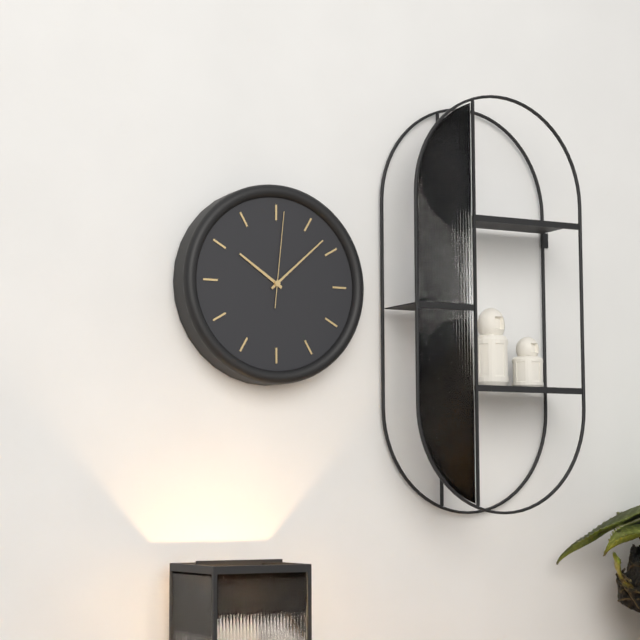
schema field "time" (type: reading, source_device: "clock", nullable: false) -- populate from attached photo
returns 10:08:01
